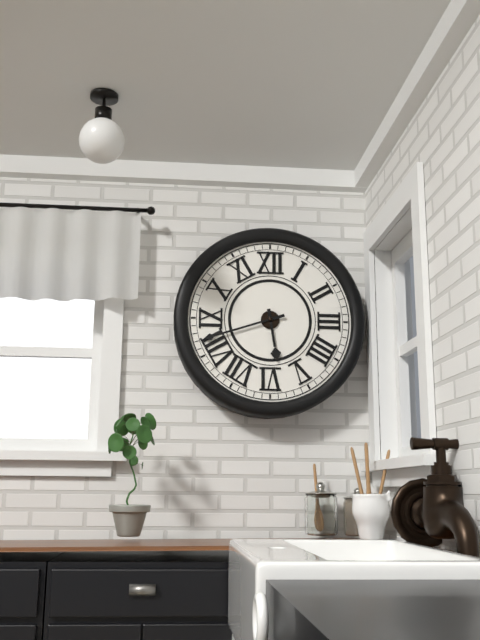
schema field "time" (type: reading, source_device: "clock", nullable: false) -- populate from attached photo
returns 5:42
